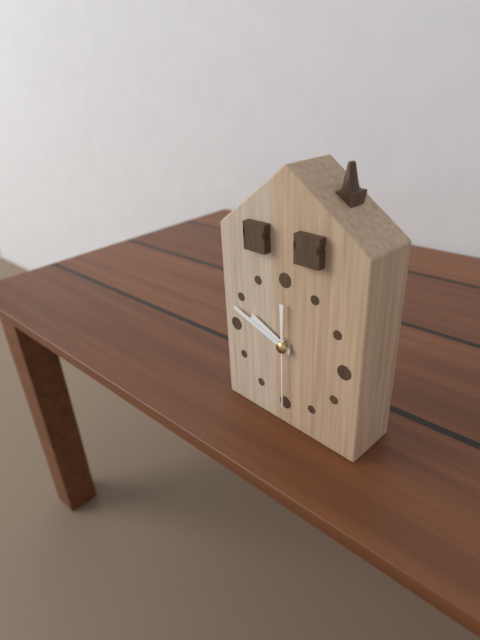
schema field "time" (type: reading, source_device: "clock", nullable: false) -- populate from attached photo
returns 9:48:30
